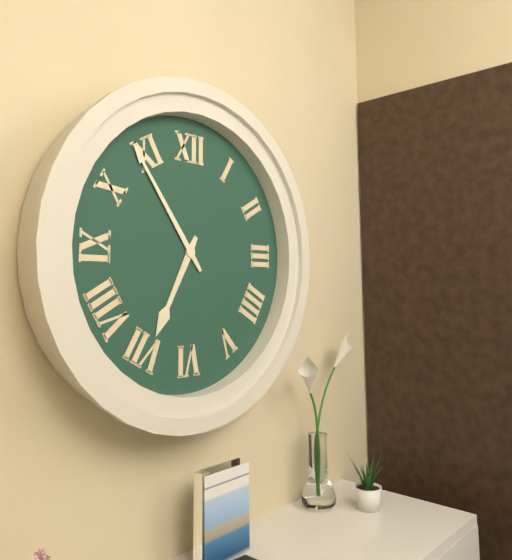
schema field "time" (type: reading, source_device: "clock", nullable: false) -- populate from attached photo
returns 6:54
